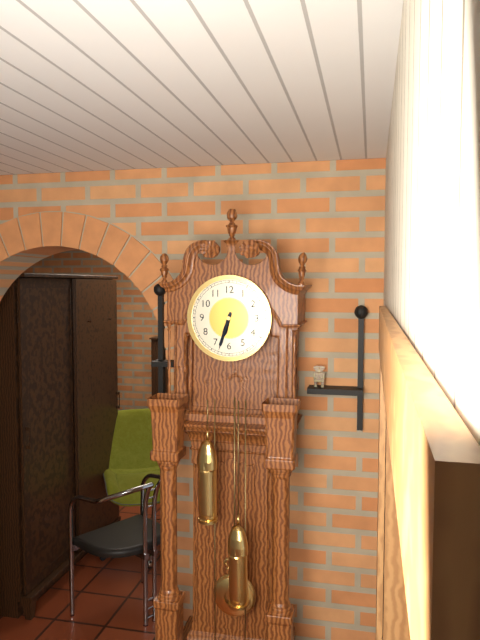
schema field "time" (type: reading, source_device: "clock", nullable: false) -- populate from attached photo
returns 6:33
